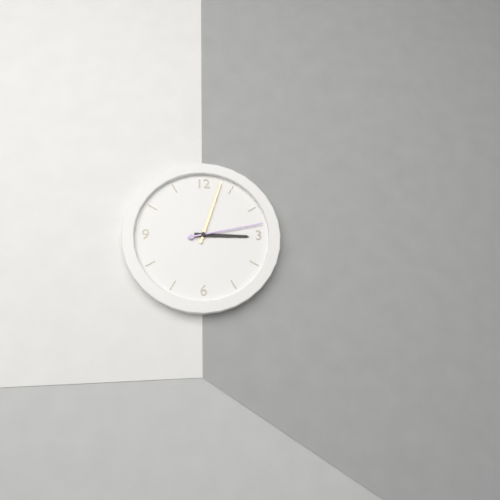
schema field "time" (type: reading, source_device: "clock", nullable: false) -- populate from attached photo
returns 3:03:13
